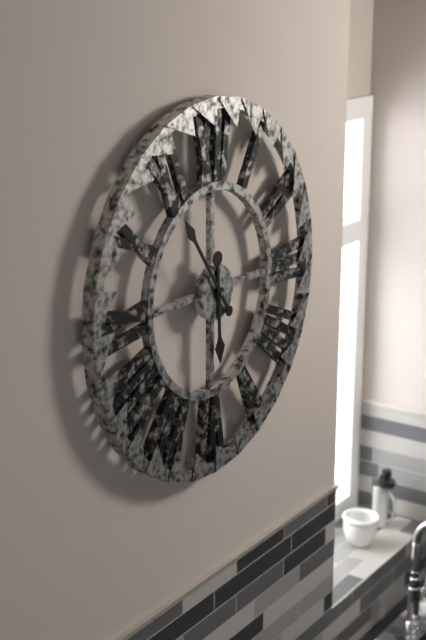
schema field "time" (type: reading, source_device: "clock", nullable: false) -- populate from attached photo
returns 5:54
